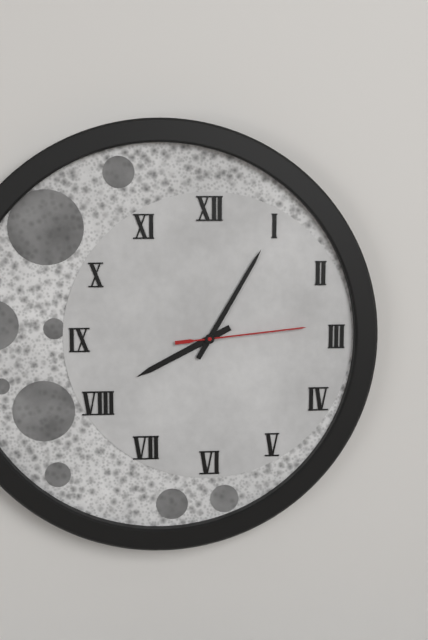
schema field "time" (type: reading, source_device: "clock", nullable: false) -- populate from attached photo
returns 8:05:14
